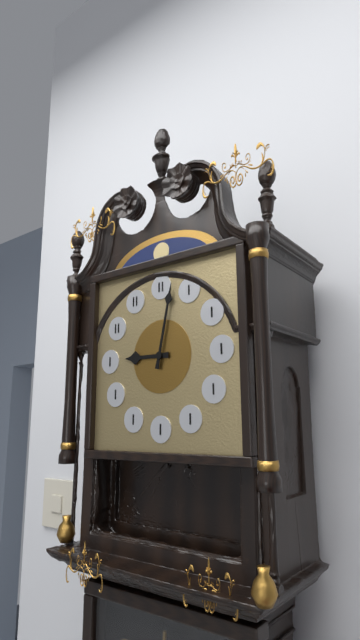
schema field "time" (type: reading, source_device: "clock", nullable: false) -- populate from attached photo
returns 9:02
